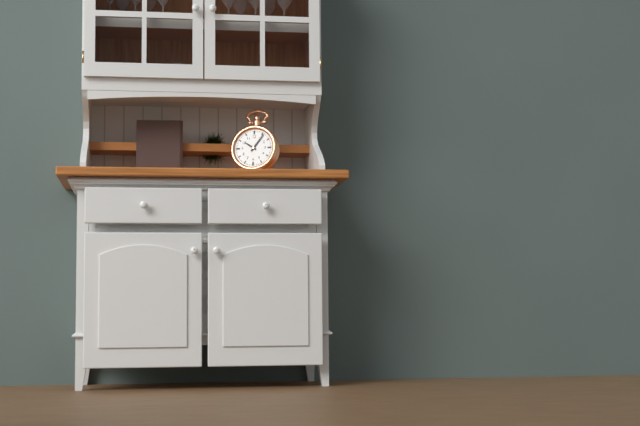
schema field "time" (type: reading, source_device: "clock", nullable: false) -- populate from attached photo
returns 10:06
